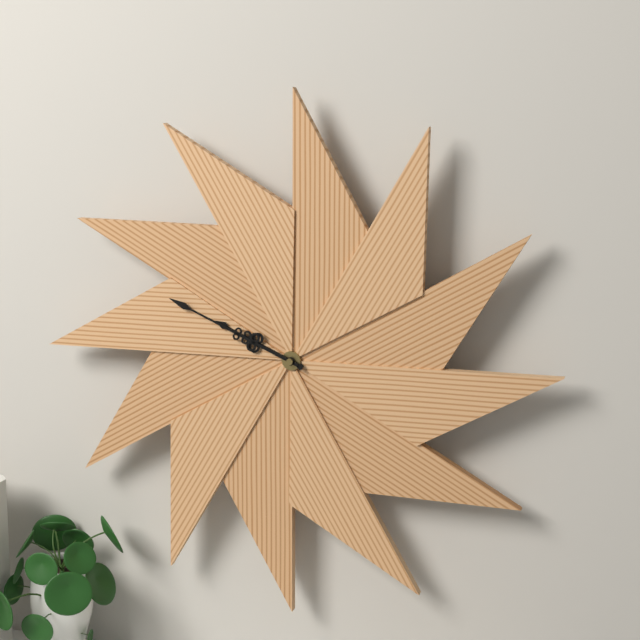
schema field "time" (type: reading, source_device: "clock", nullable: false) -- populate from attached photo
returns 9:49
